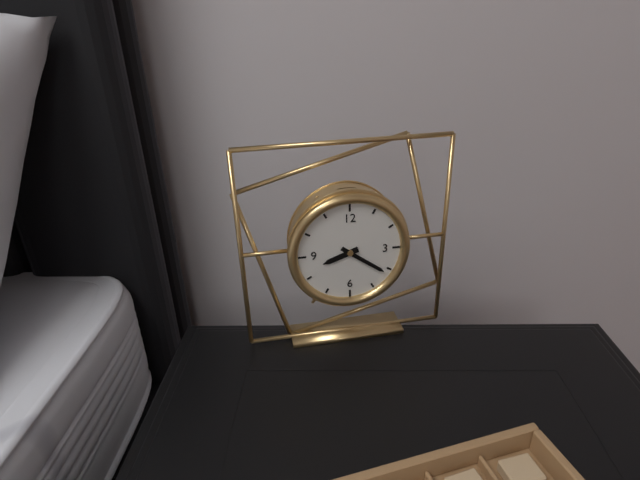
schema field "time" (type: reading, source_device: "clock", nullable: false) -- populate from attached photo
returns 8:21
